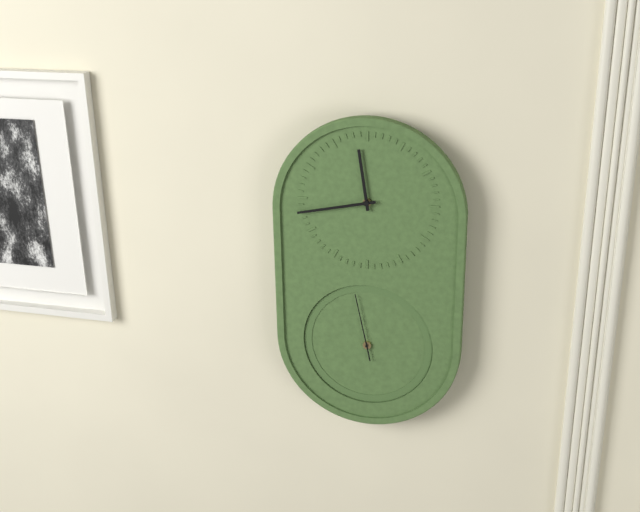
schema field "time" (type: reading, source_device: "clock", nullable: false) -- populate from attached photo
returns 11:43:58
